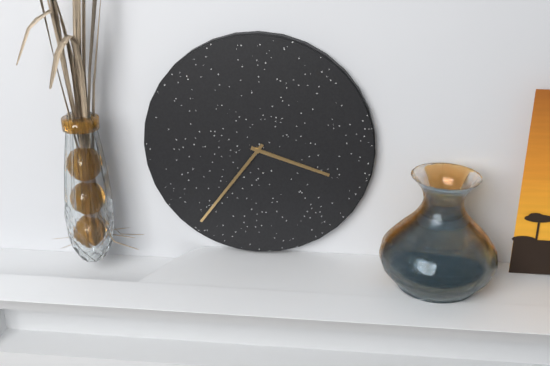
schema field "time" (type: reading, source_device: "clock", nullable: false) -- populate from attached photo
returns 3:36
